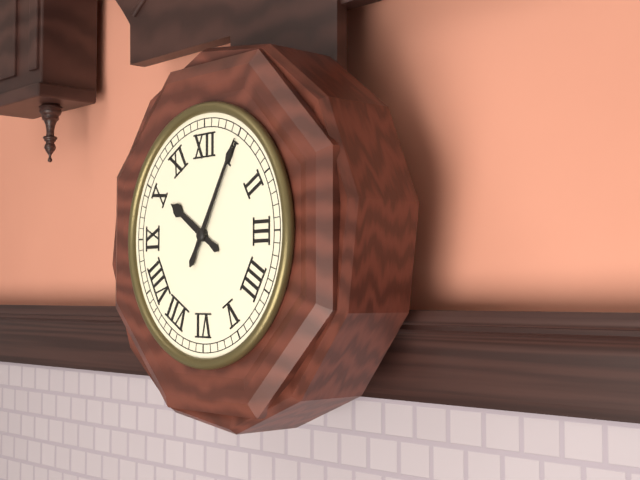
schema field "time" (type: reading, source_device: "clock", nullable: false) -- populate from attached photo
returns 10:05
